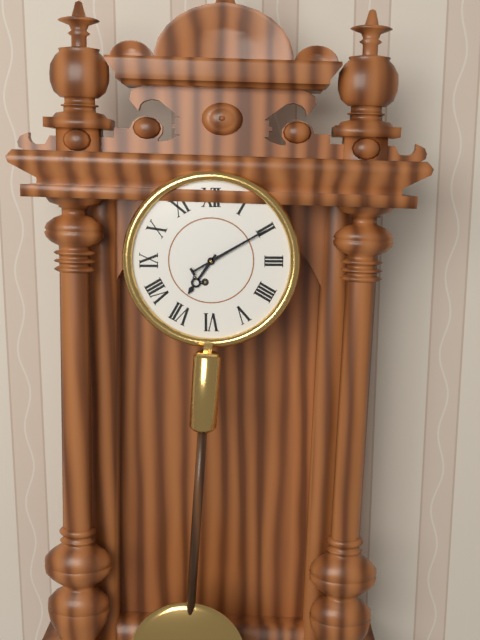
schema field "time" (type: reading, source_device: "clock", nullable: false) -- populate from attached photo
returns 7:10
